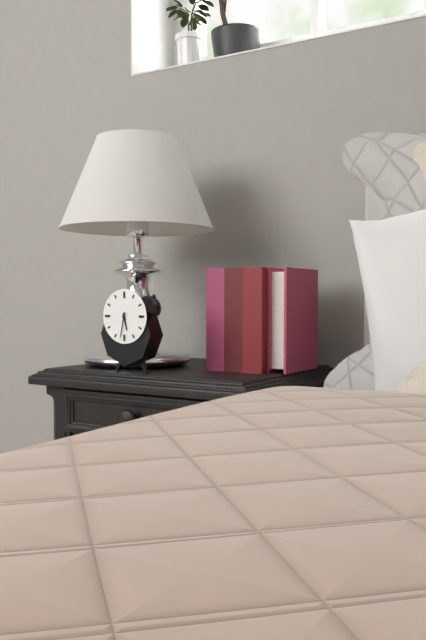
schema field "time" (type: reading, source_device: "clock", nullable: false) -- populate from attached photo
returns 5:32
